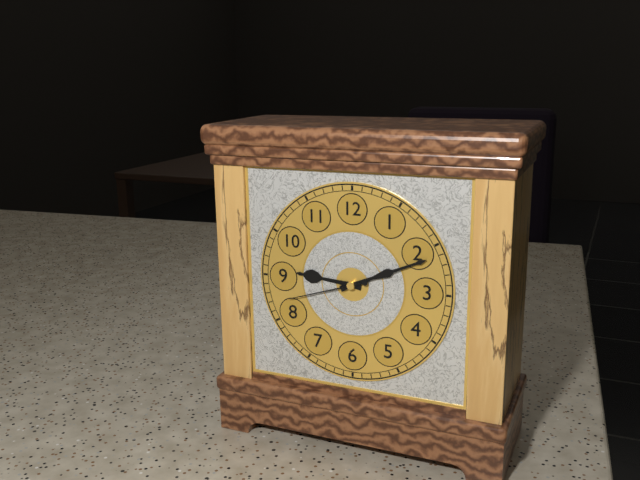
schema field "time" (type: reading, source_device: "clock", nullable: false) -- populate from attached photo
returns 9:11:42
